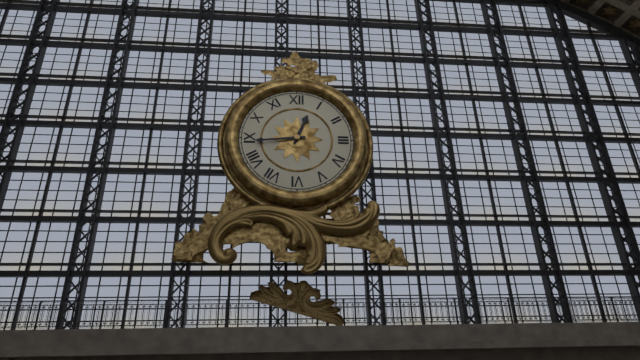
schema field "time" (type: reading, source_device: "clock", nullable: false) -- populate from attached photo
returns 12:44
